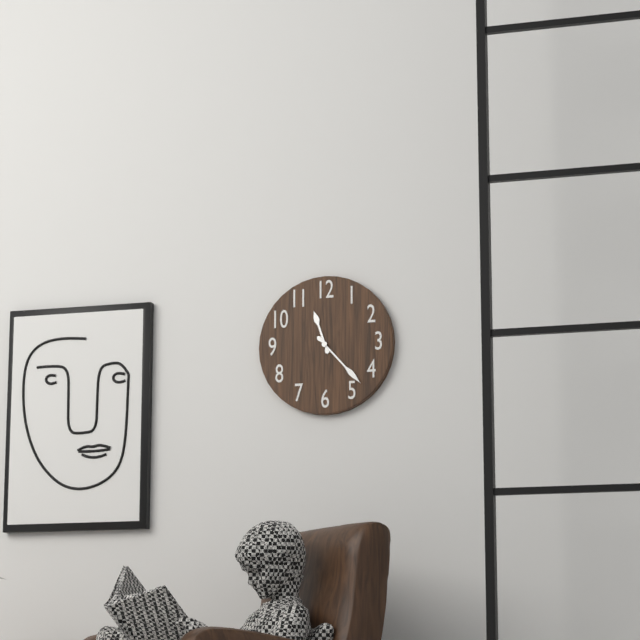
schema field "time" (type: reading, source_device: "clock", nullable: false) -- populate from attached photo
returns 11:23
